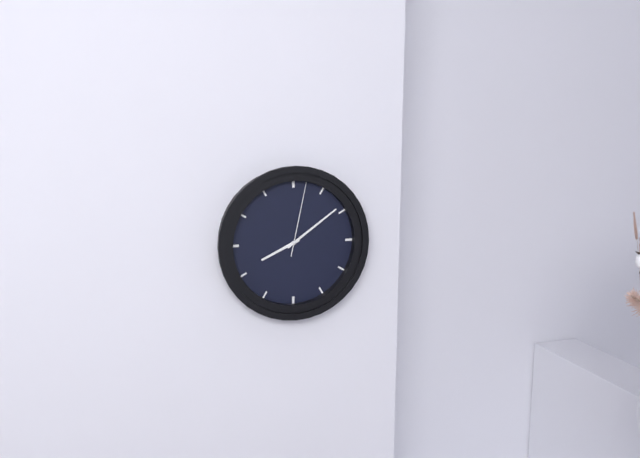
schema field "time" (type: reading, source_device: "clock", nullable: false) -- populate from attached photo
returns 8:09:02
